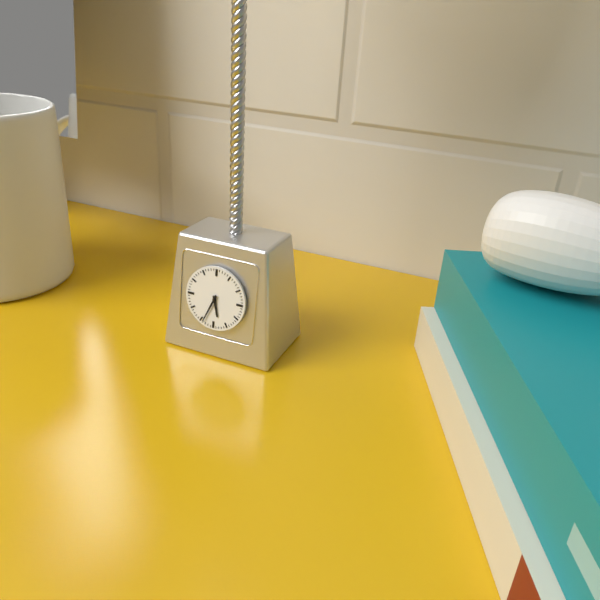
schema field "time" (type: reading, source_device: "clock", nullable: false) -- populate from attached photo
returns 5:34
